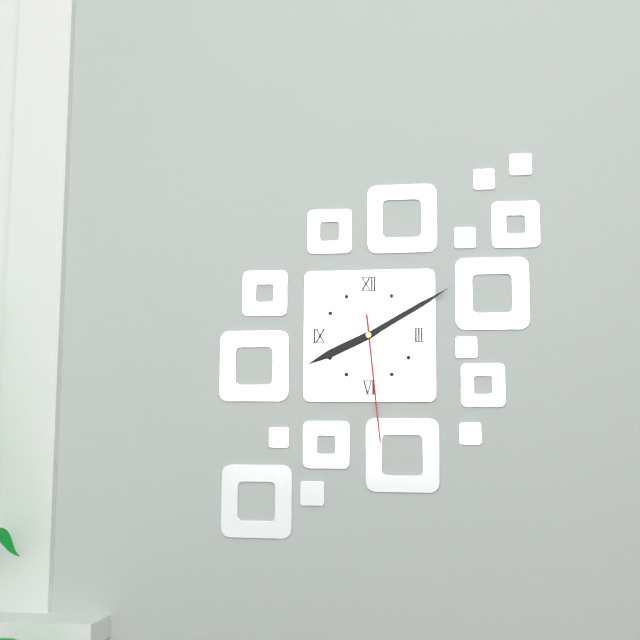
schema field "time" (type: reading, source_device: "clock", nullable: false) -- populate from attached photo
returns 8:10:29
